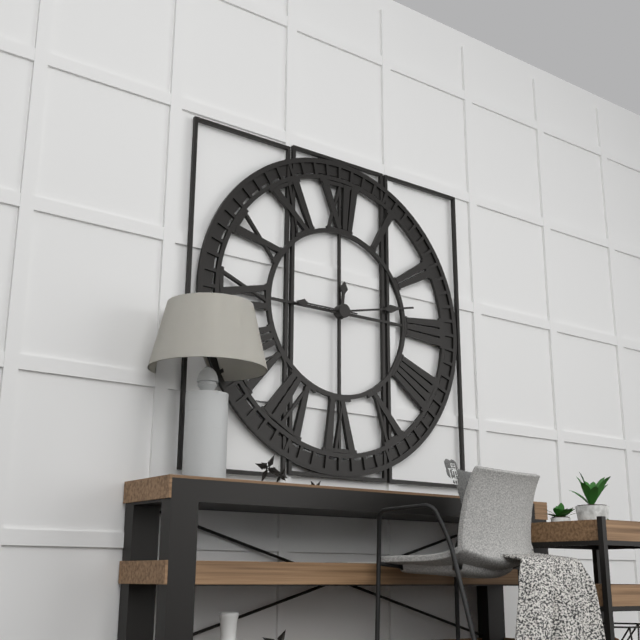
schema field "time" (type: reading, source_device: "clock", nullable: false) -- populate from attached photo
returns 12:13:45
